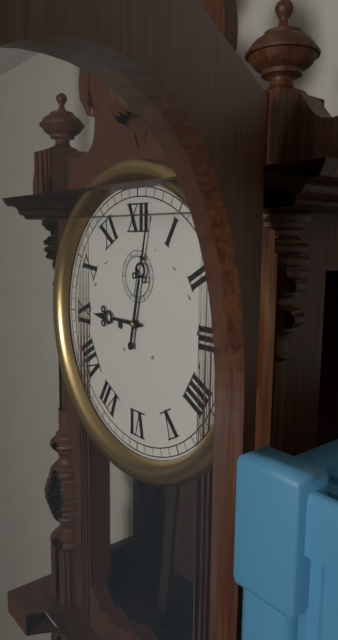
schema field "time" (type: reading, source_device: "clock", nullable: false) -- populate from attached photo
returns 9:02
